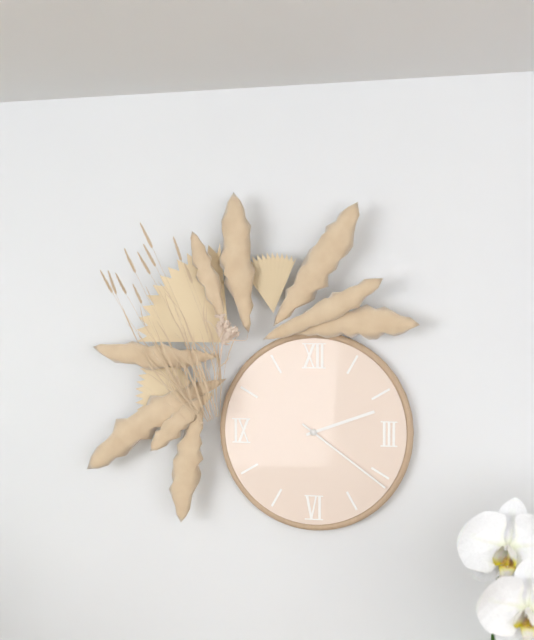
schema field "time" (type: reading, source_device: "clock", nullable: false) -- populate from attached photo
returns 2:21
